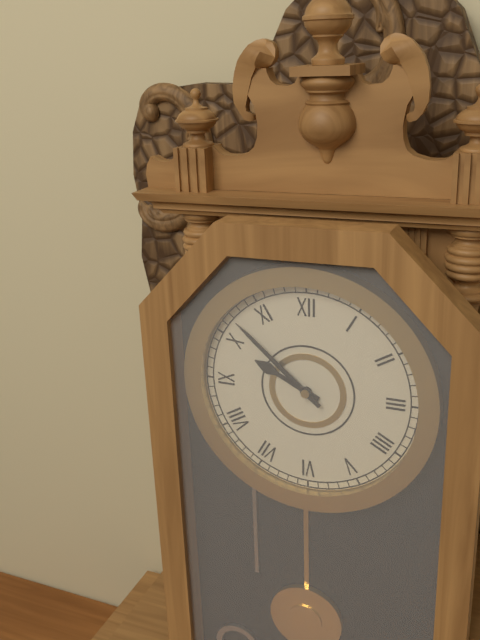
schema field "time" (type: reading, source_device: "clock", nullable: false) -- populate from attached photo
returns 9:52
